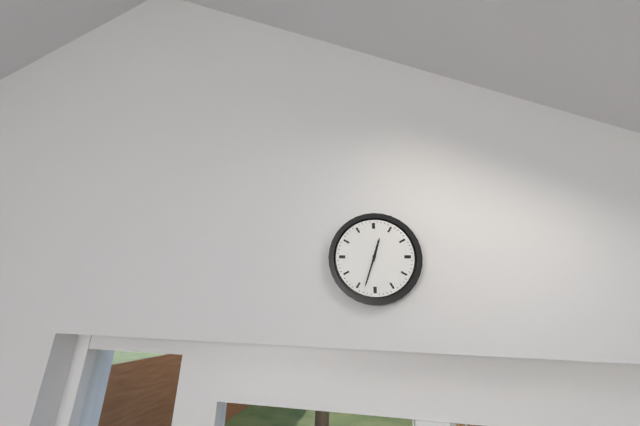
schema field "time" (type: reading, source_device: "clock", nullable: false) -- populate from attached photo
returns 12:33
